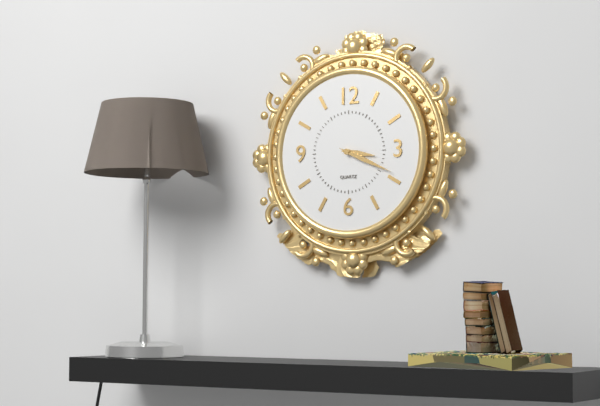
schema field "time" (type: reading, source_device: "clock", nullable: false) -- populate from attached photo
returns 3:19
